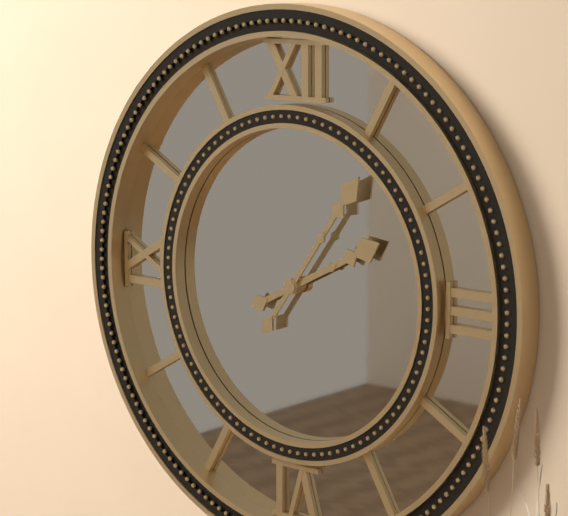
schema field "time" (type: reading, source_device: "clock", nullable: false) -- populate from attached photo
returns 2:06
